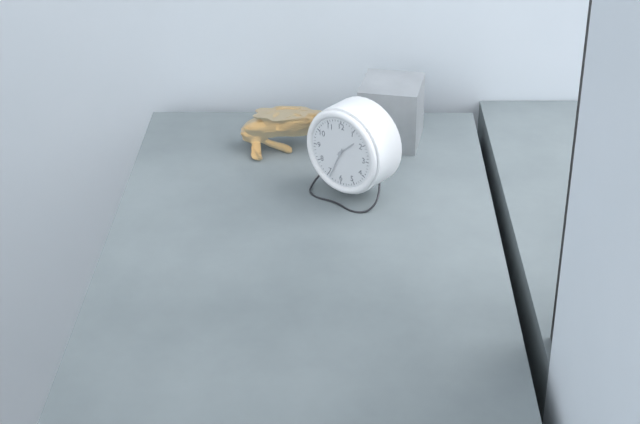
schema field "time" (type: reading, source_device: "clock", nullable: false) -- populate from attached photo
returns 1:34
